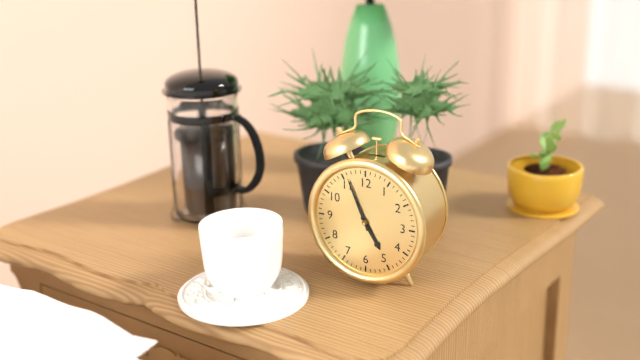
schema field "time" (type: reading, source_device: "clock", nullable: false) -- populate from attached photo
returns 4:56
